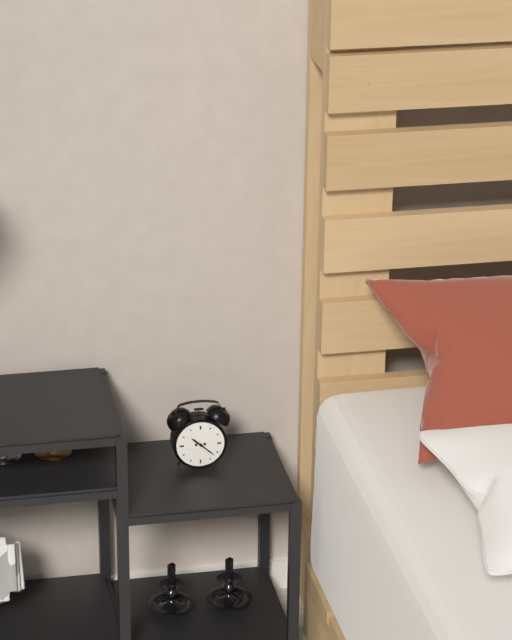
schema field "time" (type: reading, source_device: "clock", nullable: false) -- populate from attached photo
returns 10:22
